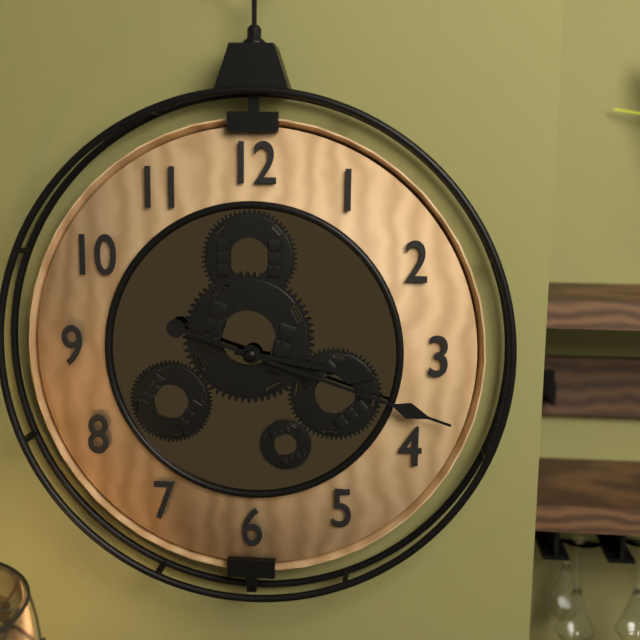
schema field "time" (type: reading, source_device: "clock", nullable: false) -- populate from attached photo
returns 3:18
